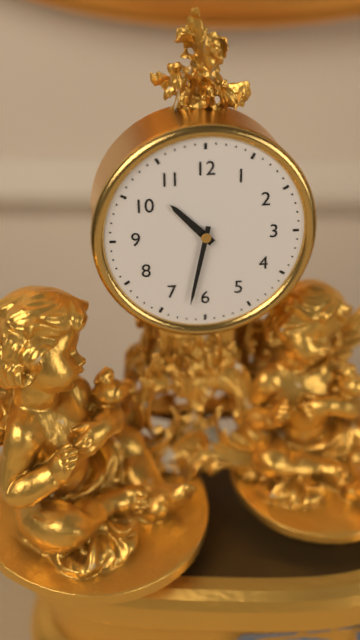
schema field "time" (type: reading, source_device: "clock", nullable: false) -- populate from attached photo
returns 10:32
